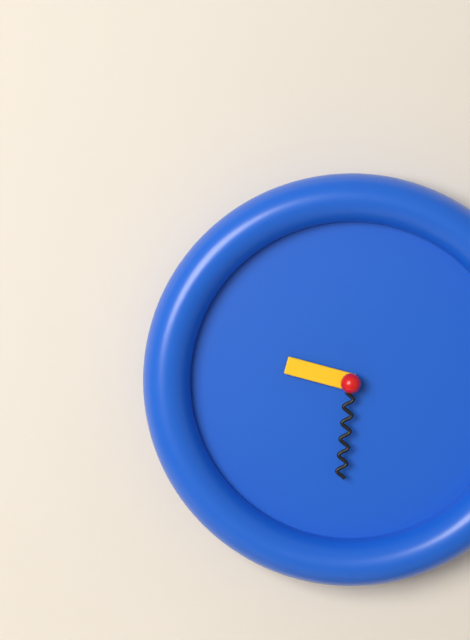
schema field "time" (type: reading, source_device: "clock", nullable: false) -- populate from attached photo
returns 9:31
